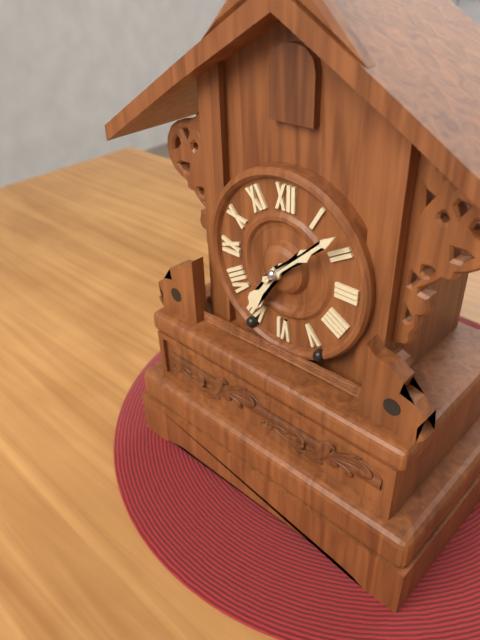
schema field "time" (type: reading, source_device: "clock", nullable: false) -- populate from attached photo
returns 7:08
